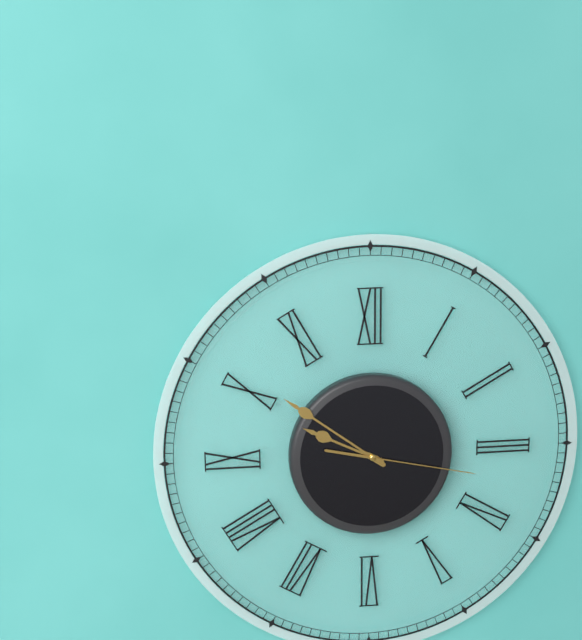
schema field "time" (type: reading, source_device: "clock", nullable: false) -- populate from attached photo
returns 9:51:17
